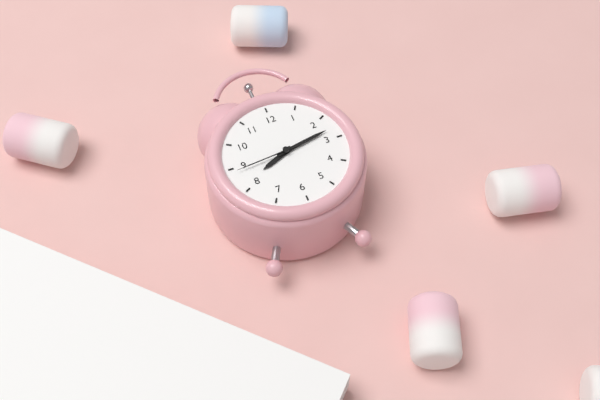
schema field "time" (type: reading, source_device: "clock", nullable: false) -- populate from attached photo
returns 8:13:44
